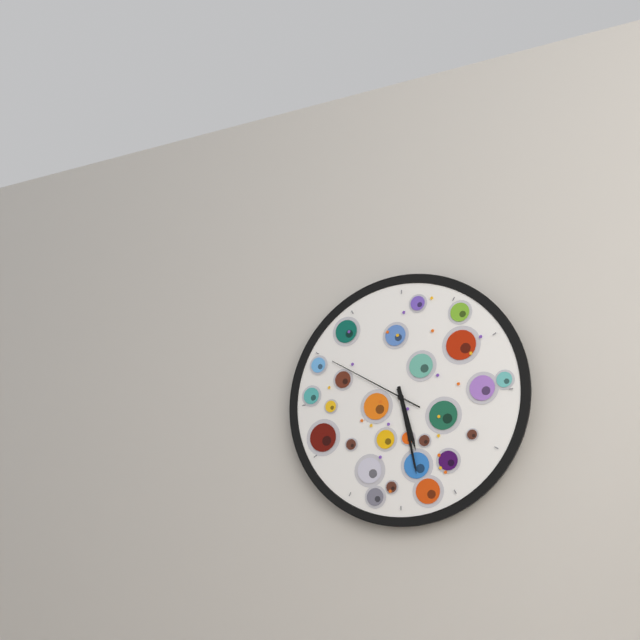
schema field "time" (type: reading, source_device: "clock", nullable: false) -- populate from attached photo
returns 5:28:50
